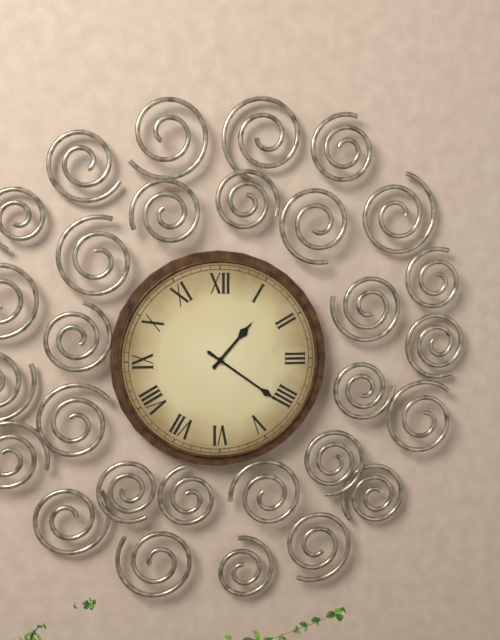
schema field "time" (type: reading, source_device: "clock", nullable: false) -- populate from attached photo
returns 1:21
